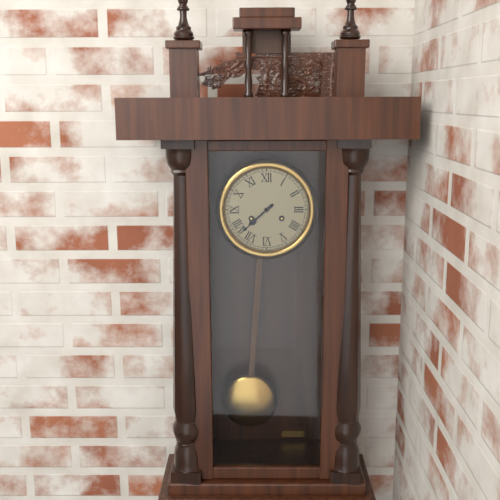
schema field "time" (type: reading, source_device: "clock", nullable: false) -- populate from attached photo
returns 7:38
